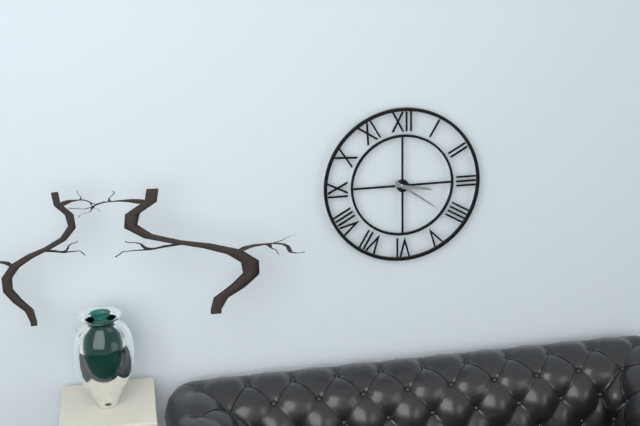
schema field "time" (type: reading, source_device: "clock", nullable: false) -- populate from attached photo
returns 3:21
